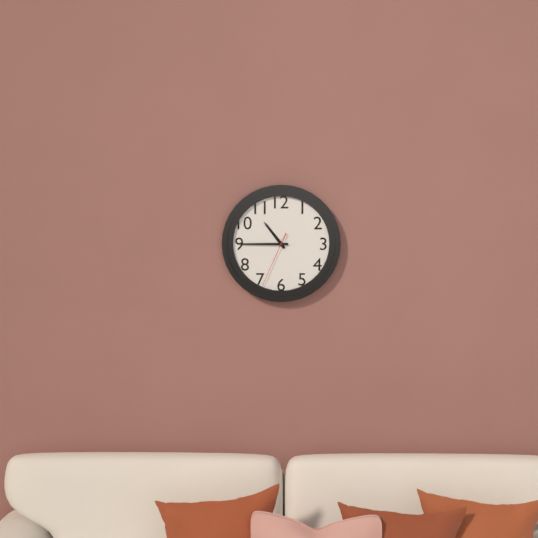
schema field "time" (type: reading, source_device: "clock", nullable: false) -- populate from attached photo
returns 10:45:34
